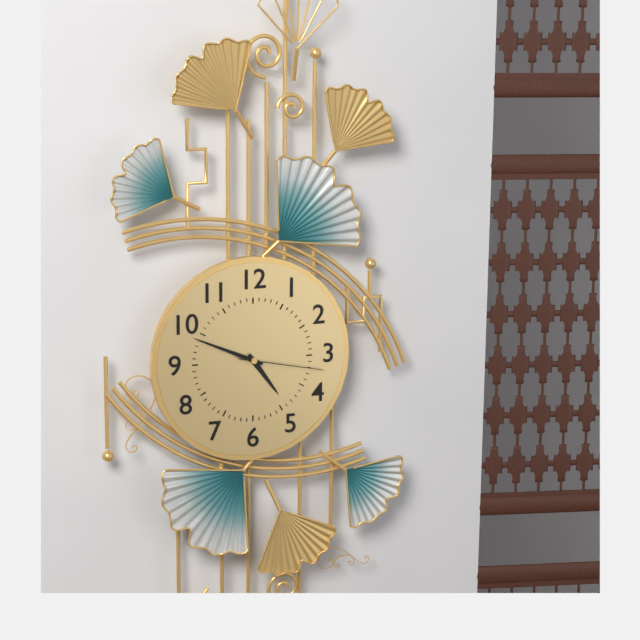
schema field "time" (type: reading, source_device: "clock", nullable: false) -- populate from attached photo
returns 4:49:17
